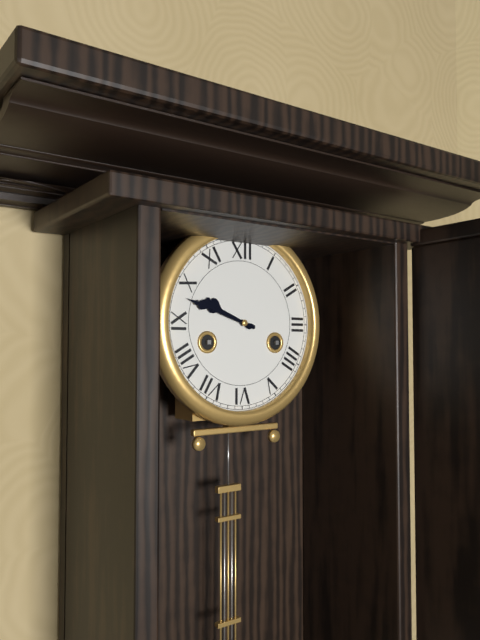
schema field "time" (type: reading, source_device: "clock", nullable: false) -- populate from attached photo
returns 9:48
